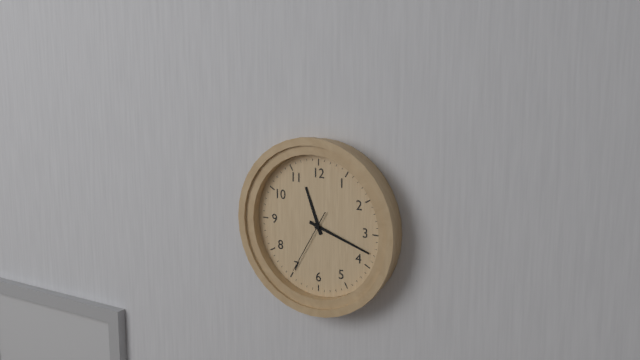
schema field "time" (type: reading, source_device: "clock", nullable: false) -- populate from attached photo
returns 11:18:35
